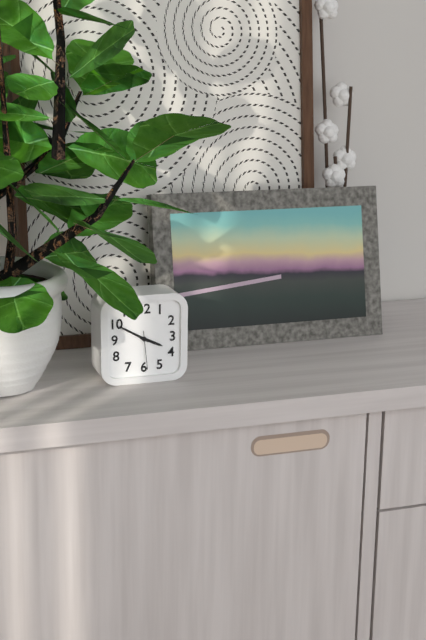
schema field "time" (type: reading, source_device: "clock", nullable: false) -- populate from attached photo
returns 3:50
